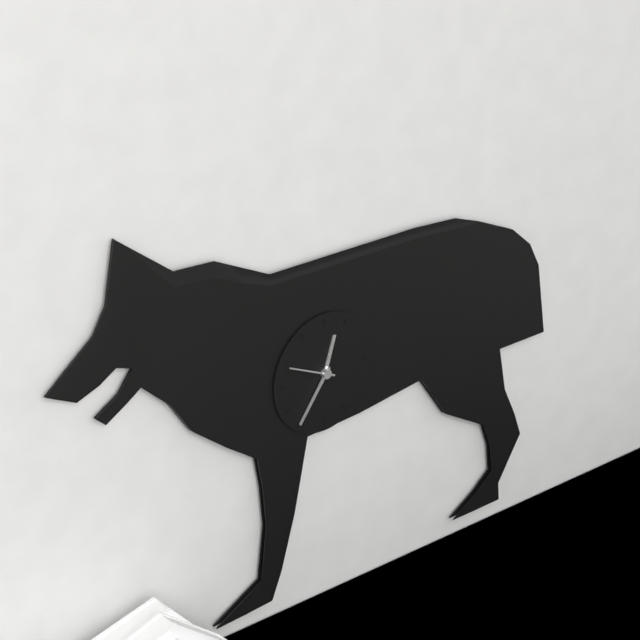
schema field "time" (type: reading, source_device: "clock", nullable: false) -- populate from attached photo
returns 12:36
